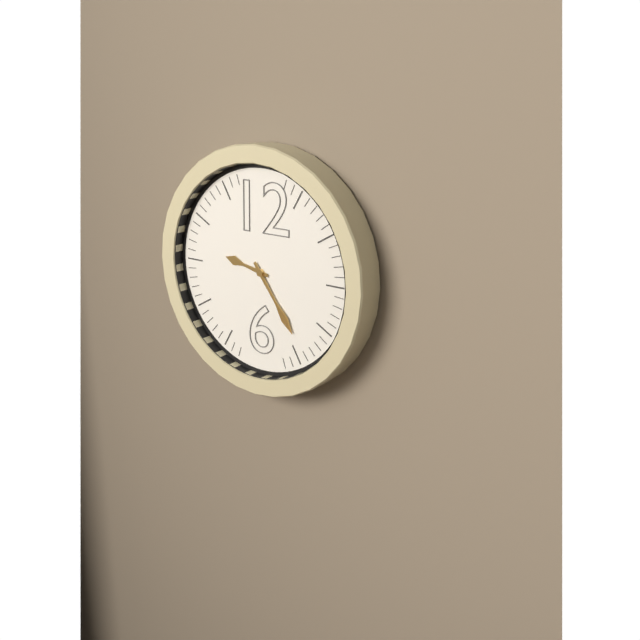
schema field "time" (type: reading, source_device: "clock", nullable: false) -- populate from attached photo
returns 9:24
